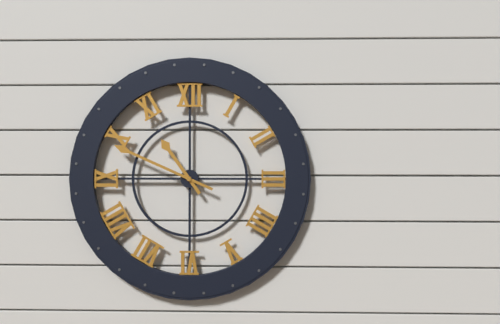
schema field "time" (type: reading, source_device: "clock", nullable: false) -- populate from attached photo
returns 10:49
